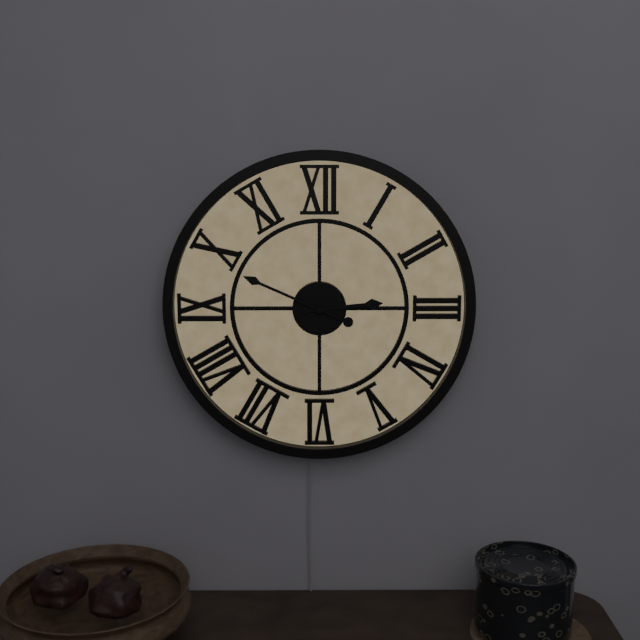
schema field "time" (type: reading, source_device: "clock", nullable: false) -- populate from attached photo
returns 2:49
